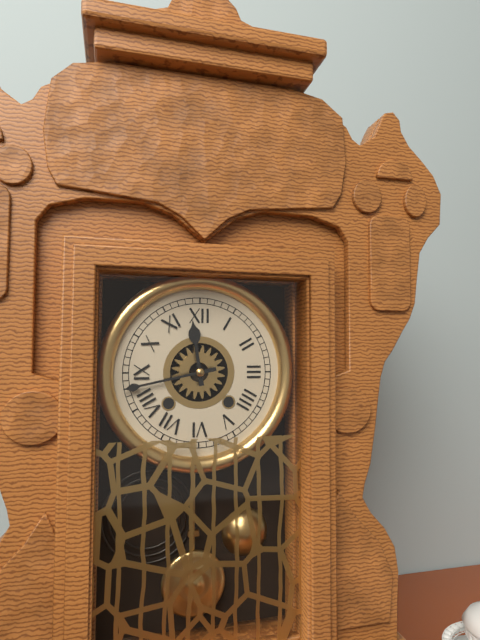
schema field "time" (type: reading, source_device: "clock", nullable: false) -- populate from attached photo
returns 11:43
